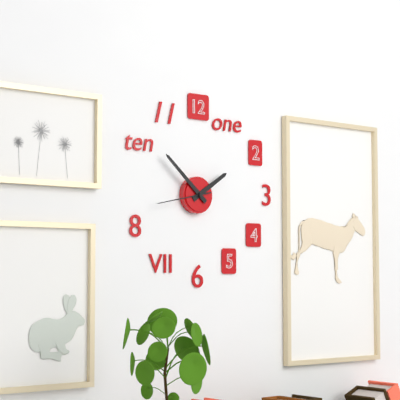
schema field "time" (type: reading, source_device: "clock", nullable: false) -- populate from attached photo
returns 1:52
